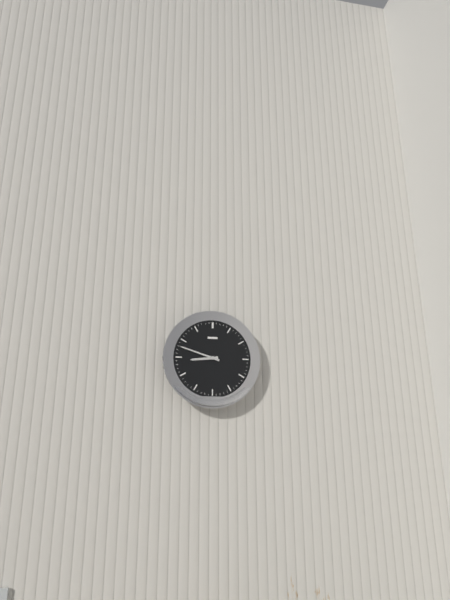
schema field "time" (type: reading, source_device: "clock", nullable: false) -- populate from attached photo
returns 8:48
